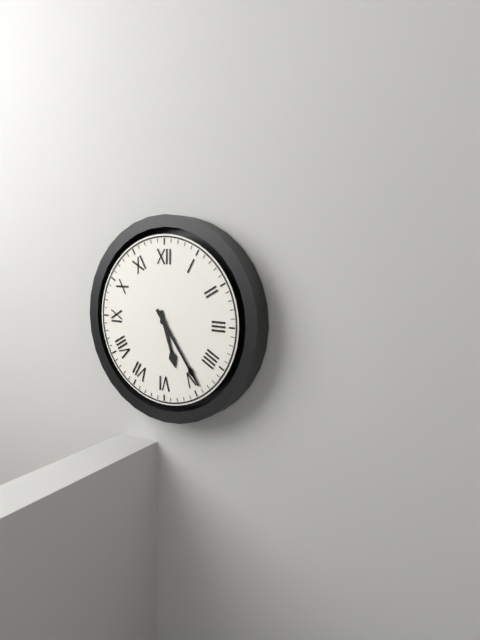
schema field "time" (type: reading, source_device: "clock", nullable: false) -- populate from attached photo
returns 5:24
